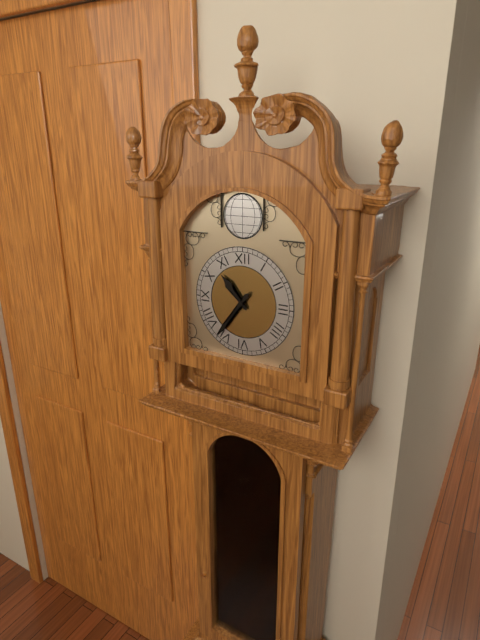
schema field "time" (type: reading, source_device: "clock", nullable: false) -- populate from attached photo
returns 10:36
